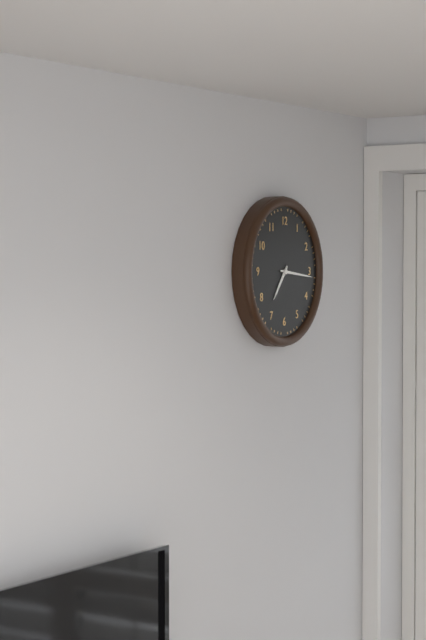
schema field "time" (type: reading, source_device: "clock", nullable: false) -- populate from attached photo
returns 7:16
